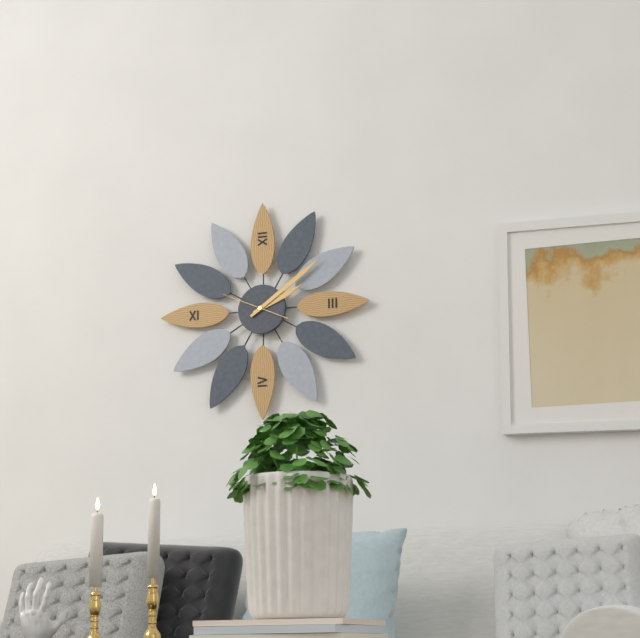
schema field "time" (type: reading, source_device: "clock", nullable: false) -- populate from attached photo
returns 2:09:49
